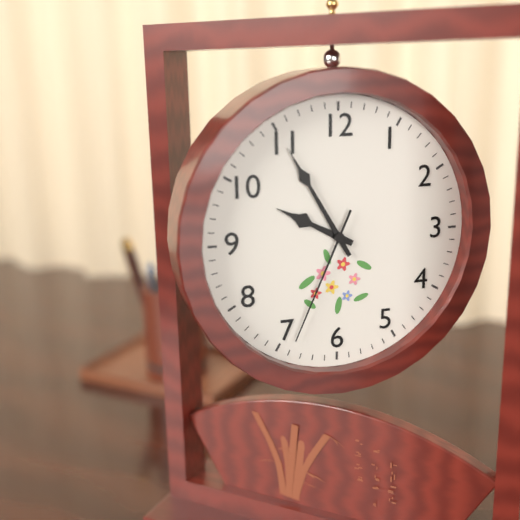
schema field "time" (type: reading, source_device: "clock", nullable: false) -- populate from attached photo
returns 9:55:34
